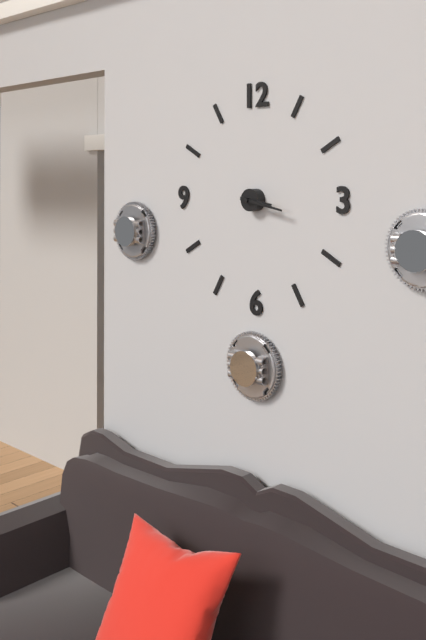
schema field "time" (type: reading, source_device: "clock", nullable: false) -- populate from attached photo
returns 3:17
